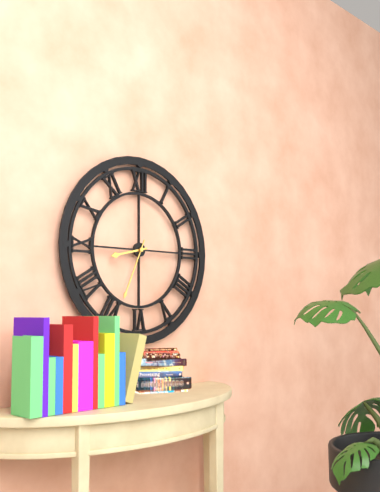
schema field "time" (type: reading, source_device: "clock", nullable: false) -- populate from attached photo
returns 8:34
